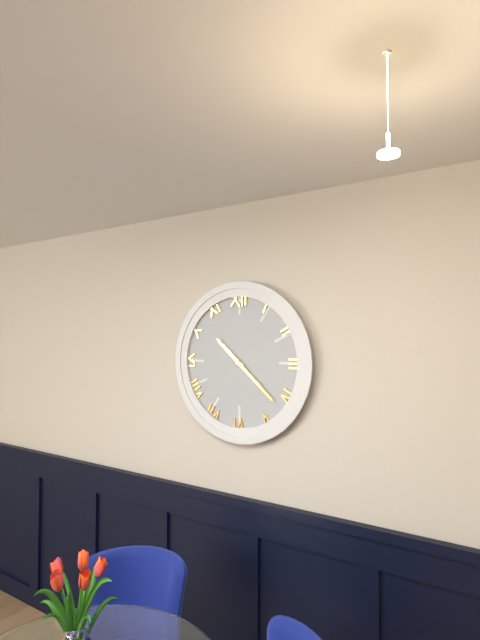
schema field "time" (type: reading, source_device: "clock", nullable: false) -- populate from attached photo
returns 10:22
